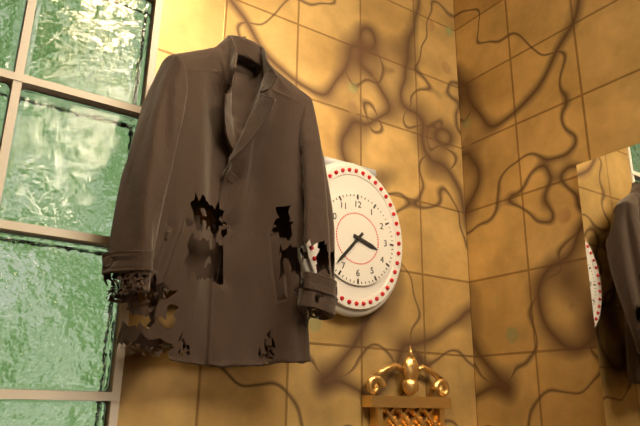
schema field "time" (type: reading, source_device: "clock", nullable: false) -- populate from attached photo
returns 3:37
